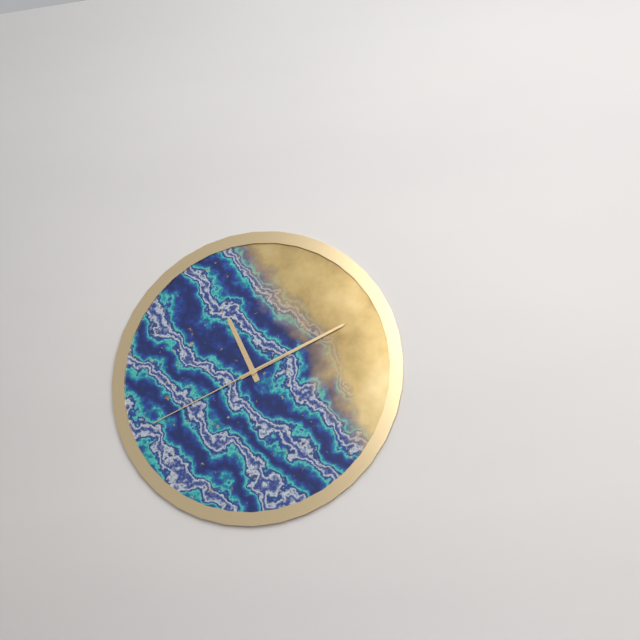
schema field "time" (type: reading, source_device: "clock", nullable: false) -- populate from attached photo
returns 11:11:41
